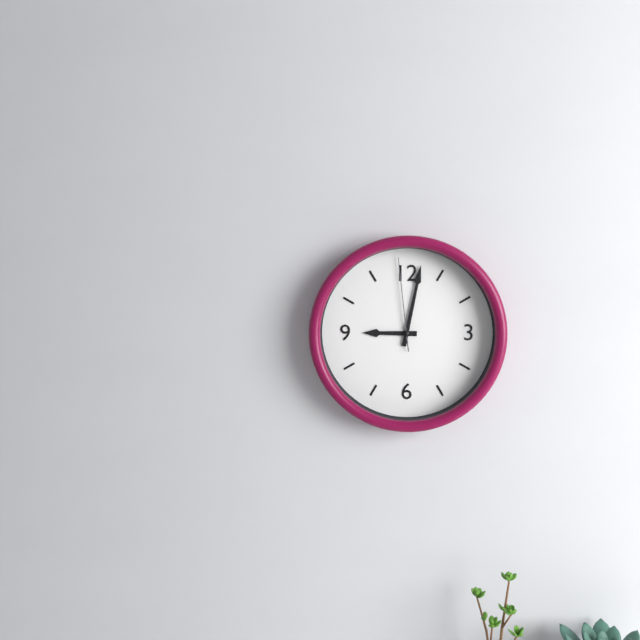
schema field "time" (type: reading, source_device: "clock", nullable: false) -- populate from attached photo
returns 9:02:59
